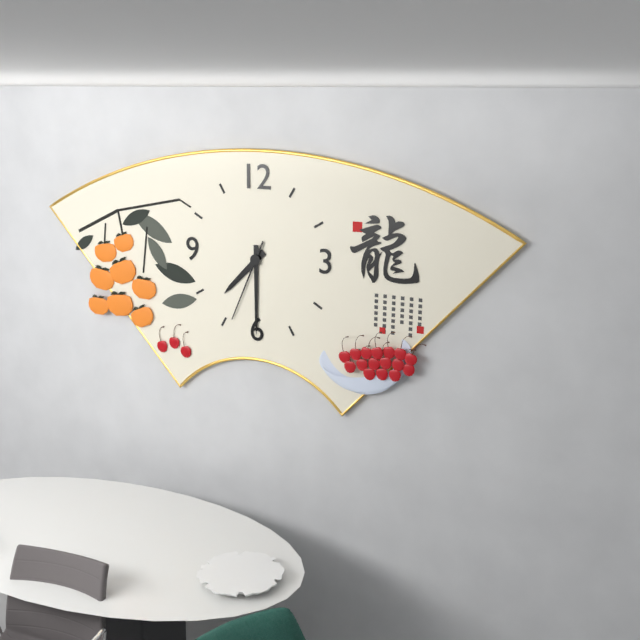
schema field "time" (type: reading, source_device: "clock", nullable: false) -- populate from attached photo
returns 7:30:34
